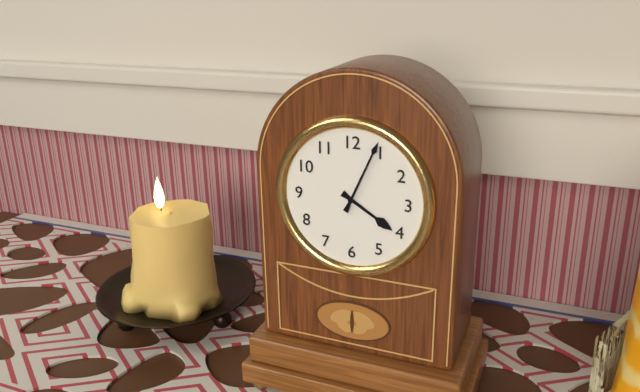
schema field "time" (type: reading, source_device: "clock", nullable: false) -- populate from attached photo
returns 4:04
